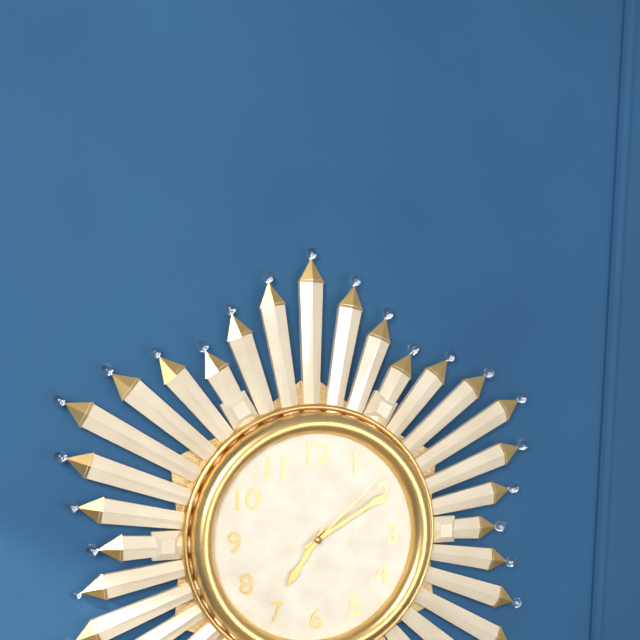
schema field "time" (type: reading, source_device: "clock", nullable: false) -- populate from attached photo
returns 7:10:08
